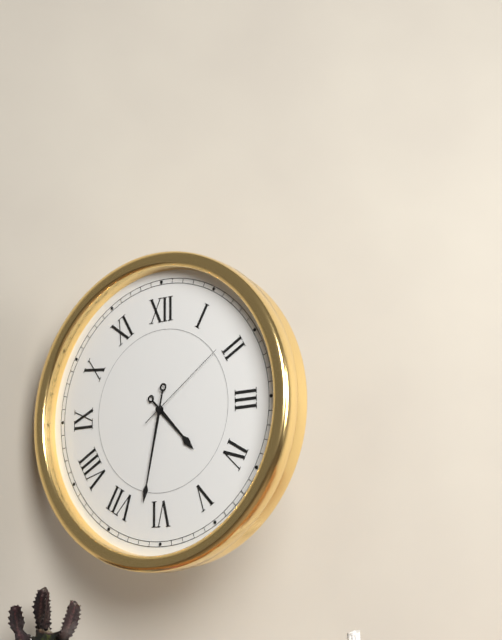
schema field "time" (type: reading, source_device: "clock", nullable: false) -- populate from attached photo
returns 4:32:09
